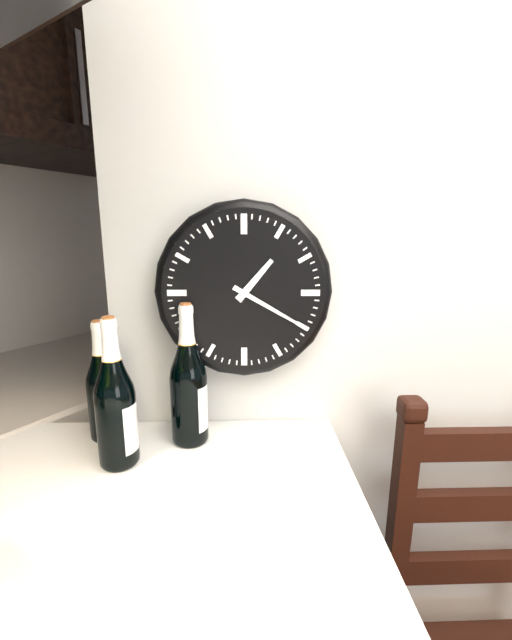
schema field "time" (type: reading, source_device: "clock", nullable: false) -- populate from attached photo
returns 1:20
